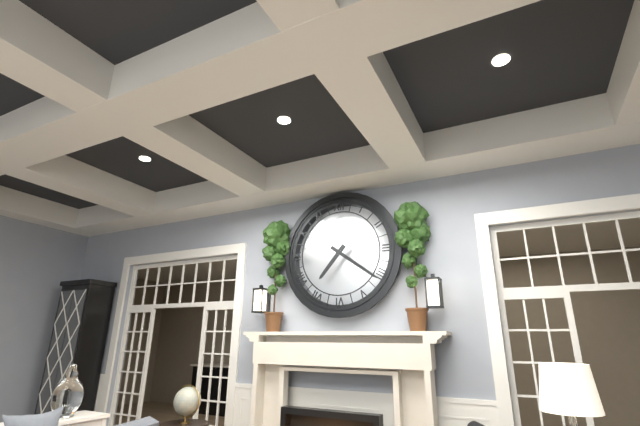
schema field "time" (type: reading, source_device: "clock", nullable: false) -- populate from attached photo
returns 7:21
